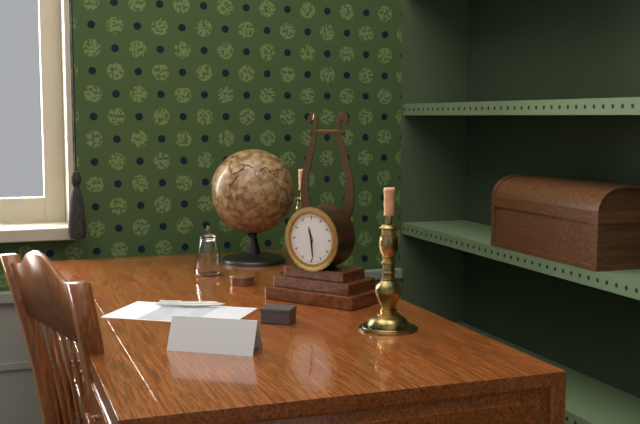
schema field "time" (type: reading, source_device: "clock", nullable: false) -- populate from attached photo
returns 11:29
